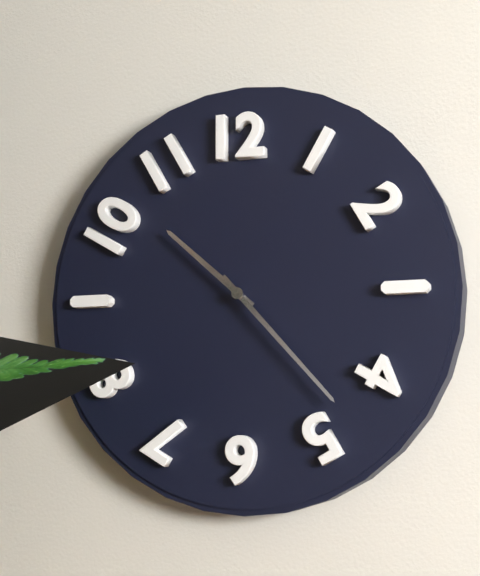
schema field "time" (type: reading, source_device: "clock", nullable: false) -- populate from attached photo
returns 10:23
